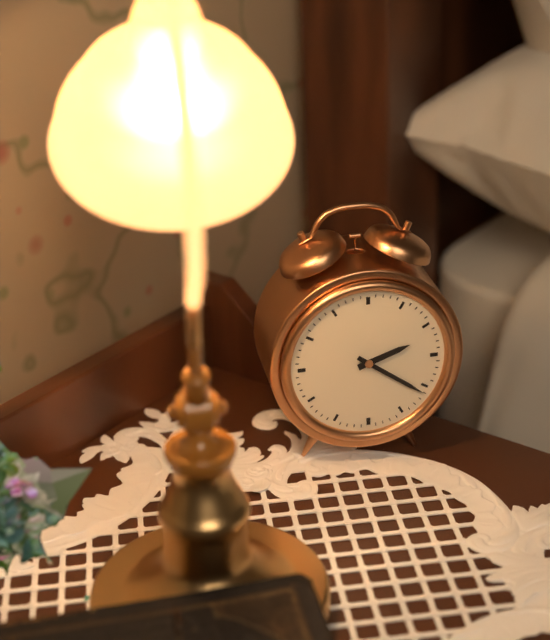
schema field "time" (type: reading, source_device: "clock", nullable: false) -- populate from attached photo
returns 2:21
